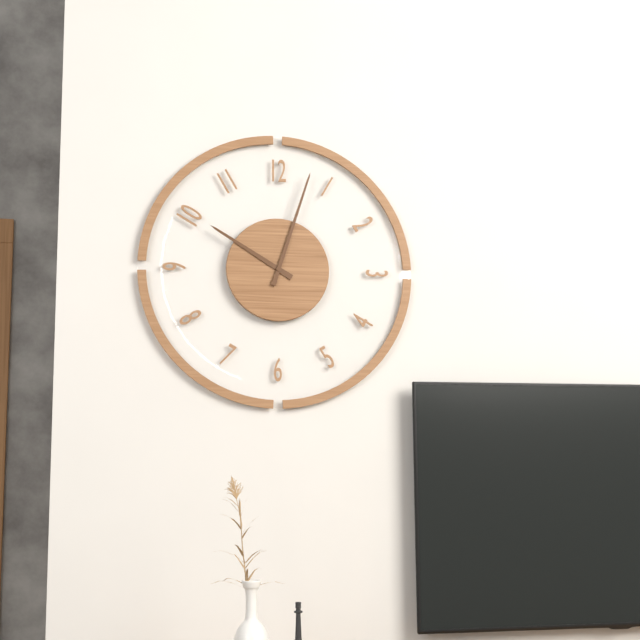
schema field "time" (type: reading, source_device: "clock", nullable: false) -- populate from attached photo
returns 10:03
